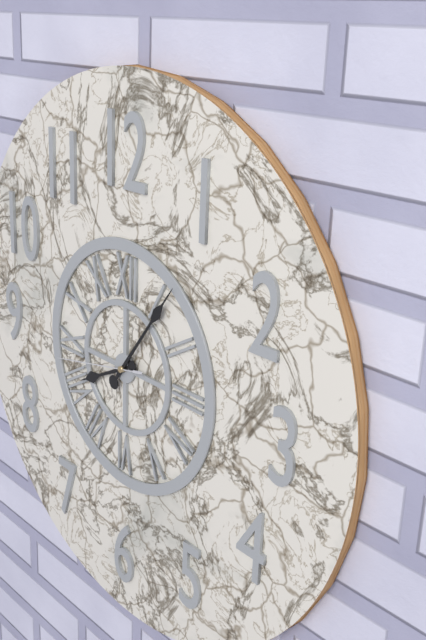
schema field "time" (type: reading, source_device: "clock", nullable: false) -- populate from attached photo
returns 8:06:43
